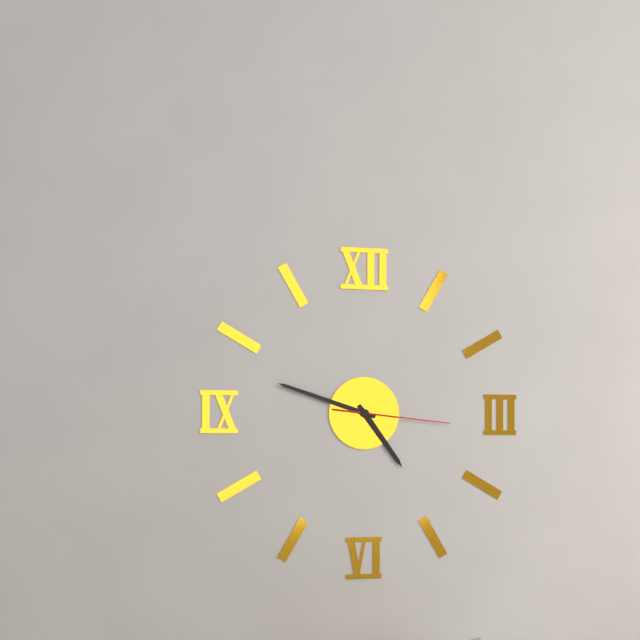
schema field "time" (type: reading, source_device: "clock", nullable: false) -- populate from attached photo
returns 4:48:16
